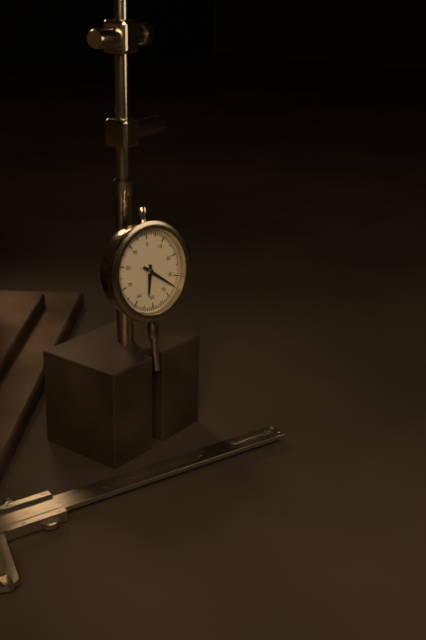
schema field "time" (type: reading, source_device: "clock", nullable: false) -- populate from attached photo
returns 6:21
